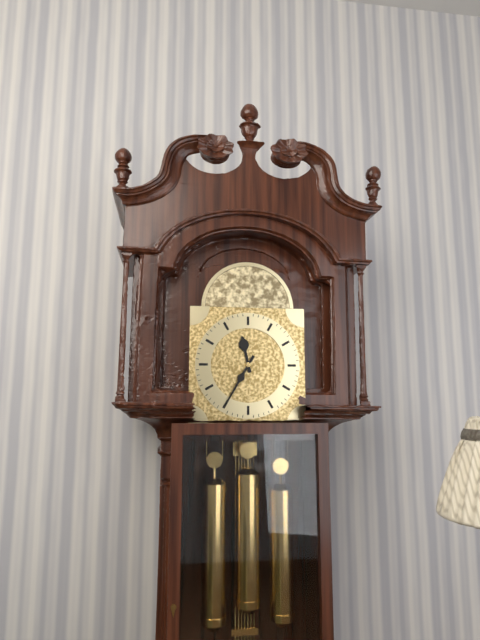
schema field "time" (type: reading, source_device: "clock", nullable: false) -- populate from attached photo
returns 11:35
